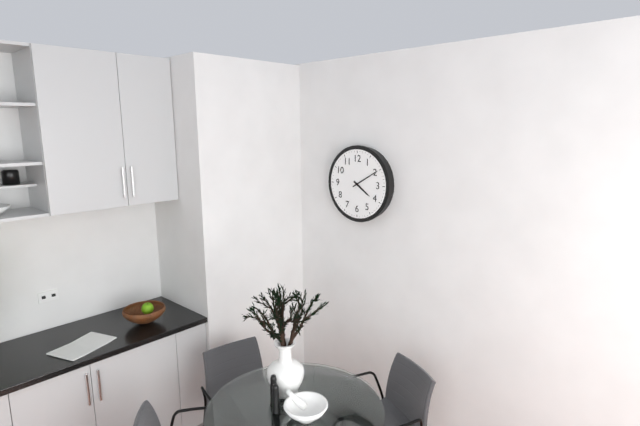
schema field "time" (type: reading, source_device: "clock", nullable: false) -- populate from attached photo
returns 4:10
